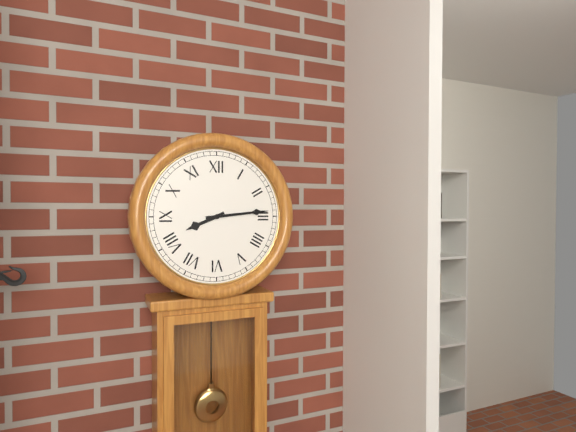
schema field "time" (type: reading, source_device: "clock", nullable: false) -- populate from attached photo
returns 8:14
